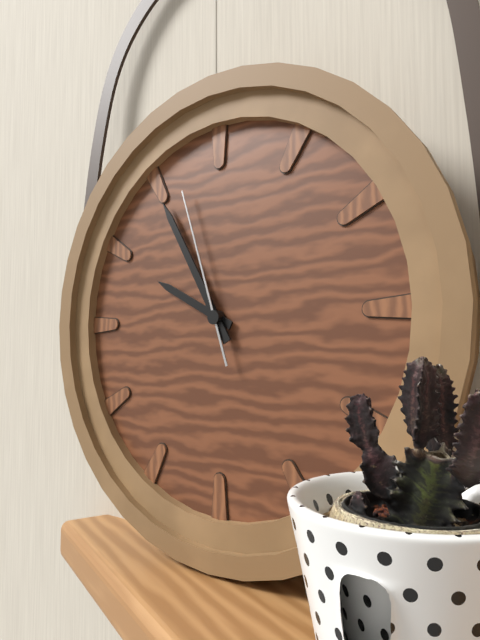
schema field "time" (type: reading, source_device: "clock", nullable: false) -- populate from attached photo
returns 9:55:57
